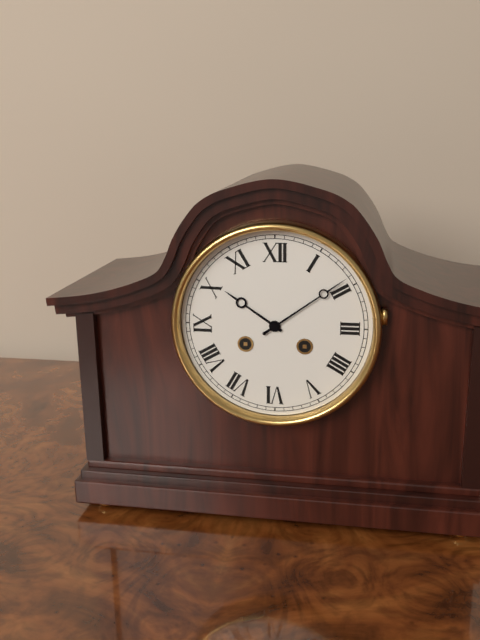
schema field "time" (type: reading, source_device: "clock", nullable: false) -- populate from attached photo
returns 10:09
